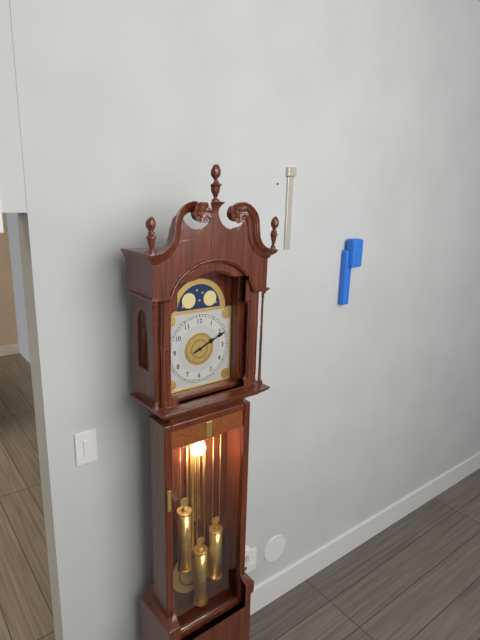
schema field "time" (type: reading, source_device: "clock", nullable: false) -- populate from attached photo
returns 2:11
